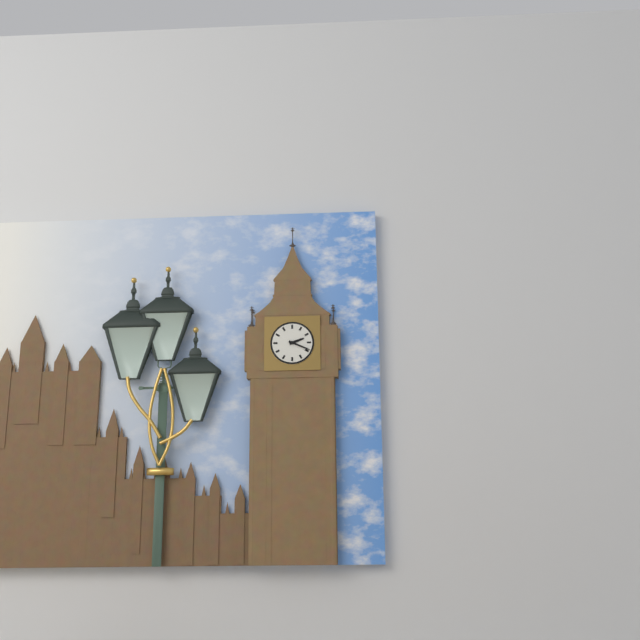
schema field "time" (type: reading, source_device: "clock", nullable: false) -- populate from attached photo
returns 2:19
